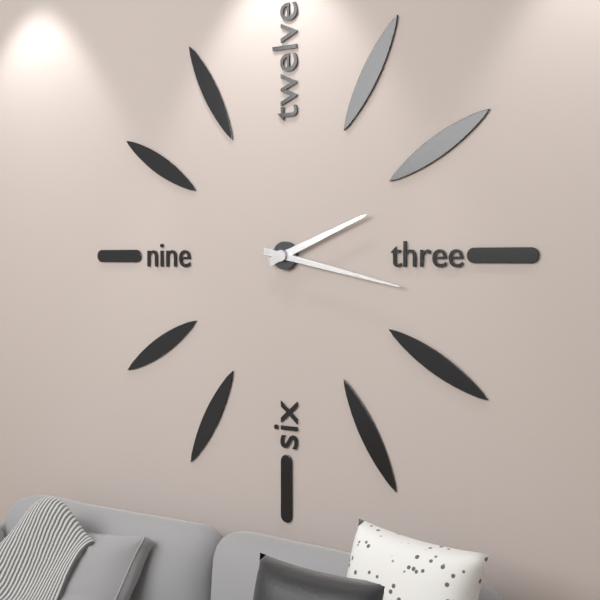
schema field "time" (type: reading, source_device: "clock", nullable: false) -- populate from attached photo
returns 2:17
